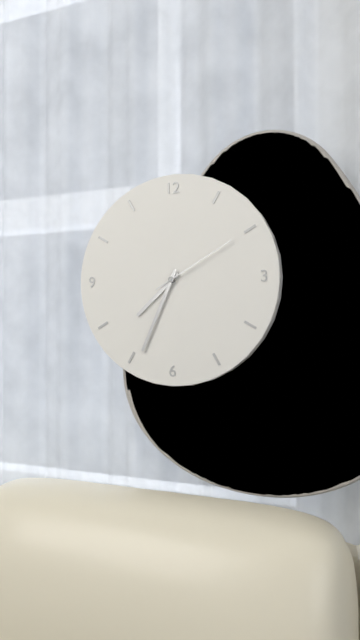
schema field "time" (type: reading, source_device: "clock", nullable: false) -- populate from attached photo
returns 7:34:10
